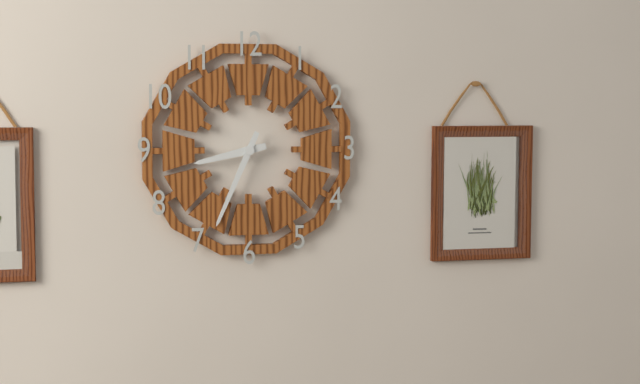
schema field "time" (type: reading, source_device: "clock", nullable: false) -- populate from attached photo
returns 8:34
